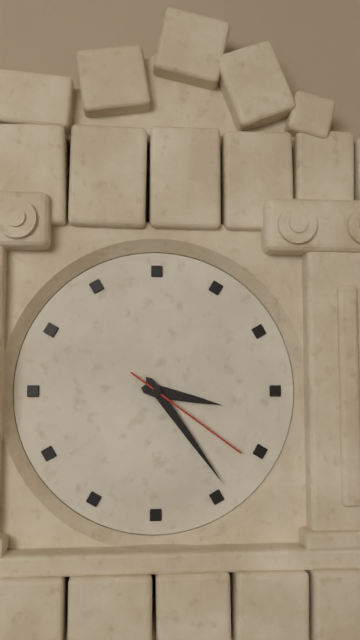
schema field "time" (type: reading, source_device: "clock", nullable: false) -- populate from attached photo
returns 3:24:21
